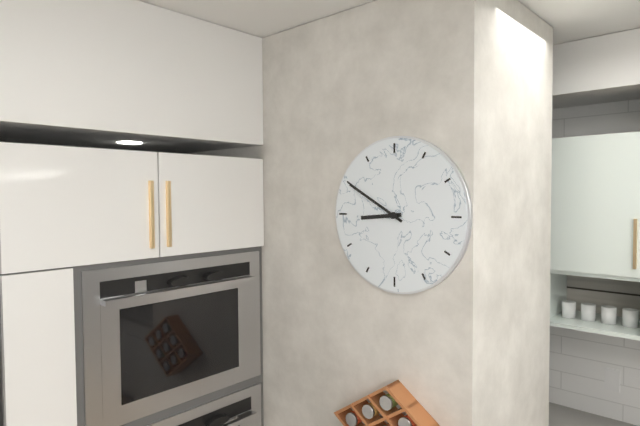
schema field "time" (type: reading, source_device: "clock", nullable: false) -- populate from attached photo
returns 8:50
